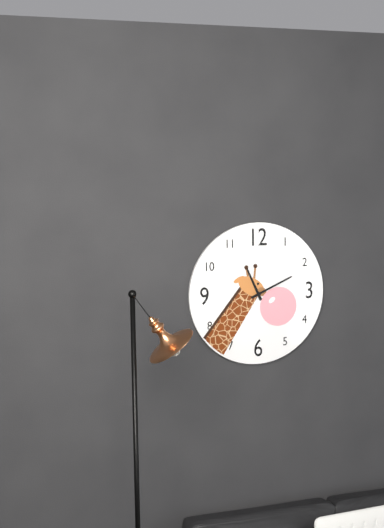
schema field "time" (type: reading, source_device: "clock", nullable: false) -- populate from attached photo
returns 11:11
